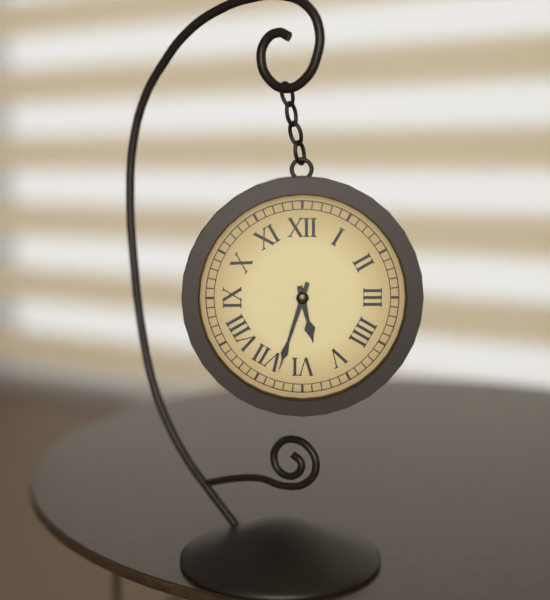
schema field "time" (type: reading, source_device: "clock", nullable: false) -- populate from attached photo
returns 5:33
